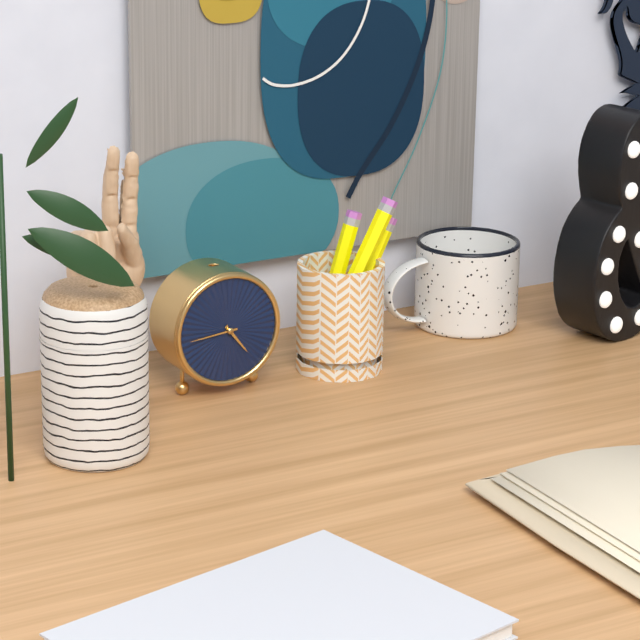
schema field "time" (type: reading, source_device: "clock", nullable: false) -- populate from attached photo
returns 4:44
